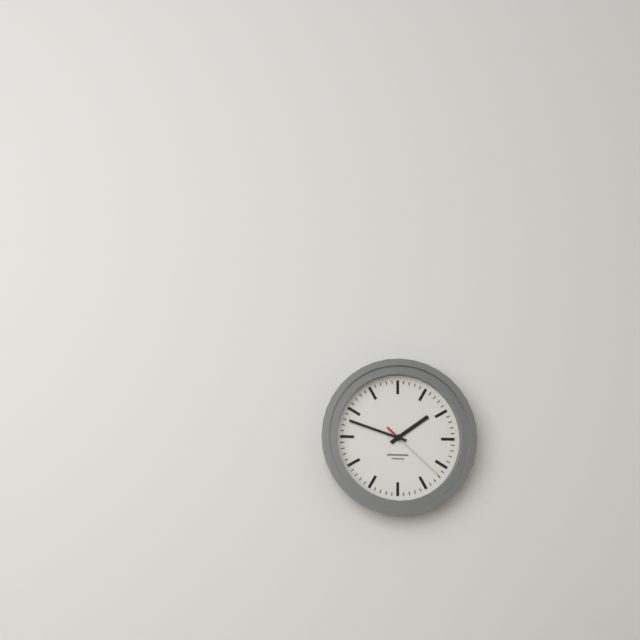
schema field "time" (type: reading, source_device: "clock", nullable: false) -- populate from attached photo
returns 1:48:22
